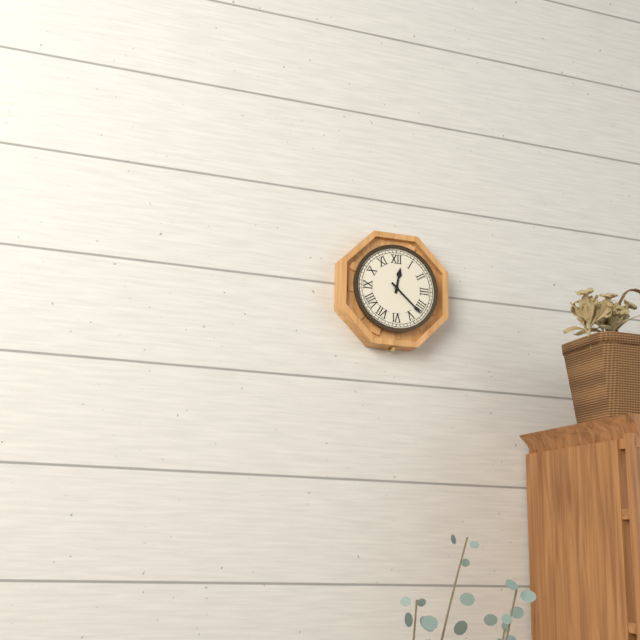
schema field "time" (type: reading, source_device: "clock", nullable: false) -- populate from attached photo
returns 12:22
